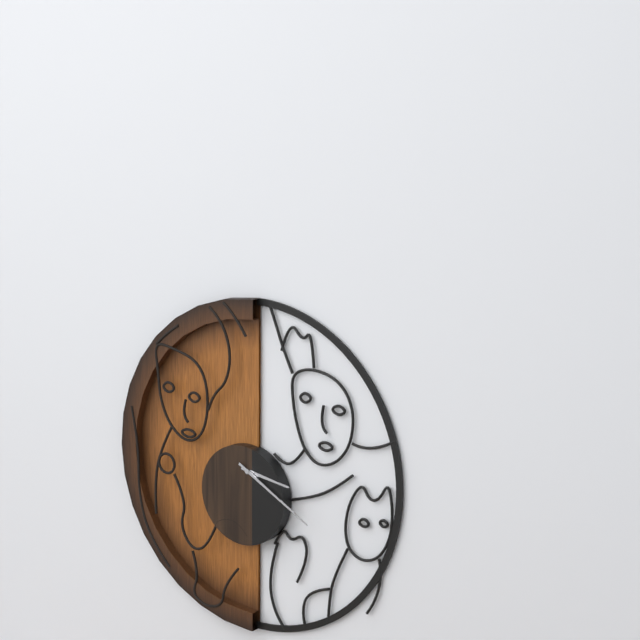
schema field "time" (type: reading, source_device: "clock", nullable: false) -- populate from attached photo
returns 3:20
